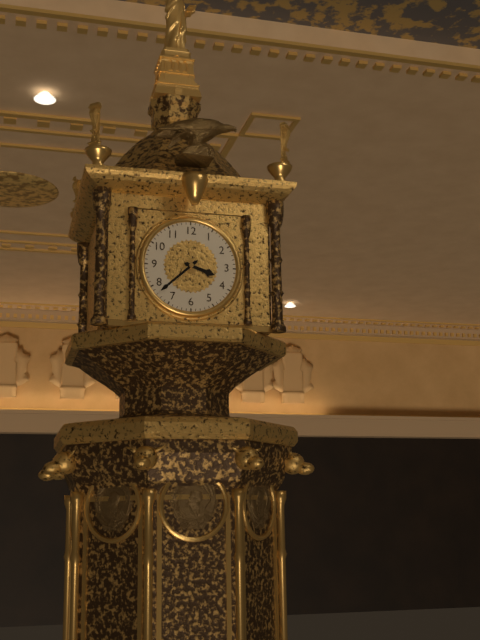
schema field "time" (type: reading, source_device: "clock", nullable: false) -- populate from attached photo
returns 3:38
